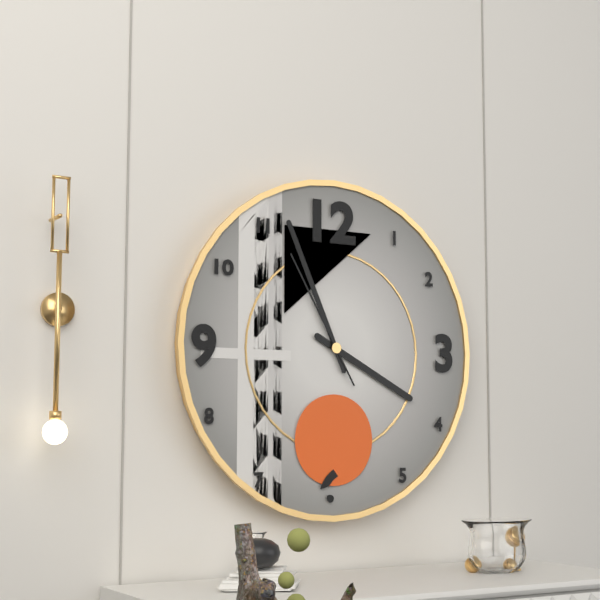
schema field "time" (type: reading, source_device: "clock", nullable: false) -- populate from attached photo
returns 3:56:55
